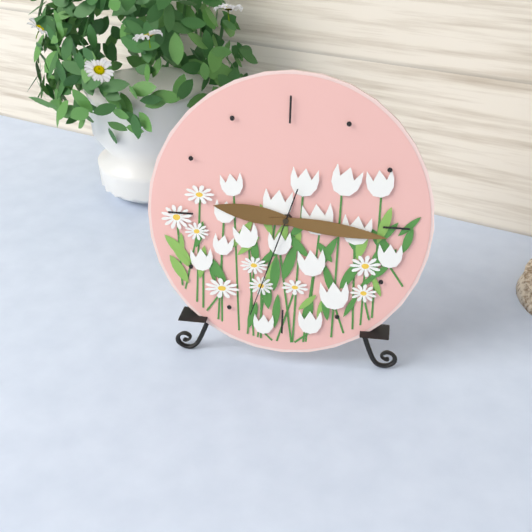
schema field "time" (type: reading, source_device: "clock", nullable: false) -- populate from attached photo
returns 9:16:33
